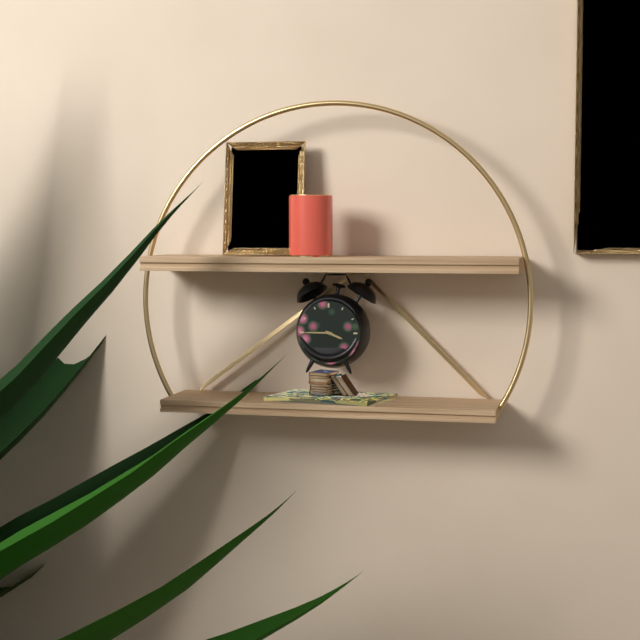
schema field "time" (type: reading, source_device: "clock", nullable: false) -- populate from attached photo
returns 3:45
